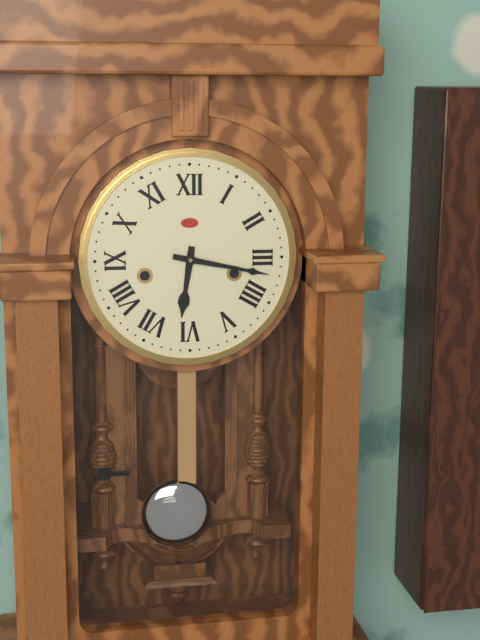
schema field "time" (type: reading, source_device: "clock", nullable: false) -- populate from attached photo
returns 6:17
